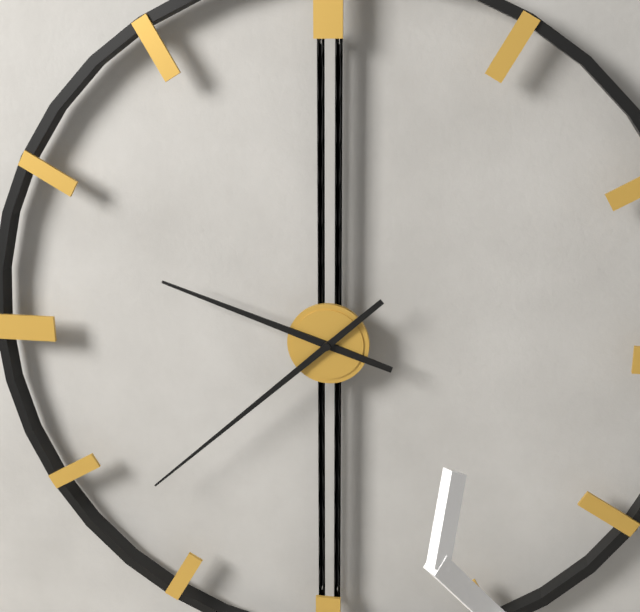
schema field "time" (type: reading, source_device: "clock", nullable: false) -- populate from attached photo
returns 9:38
